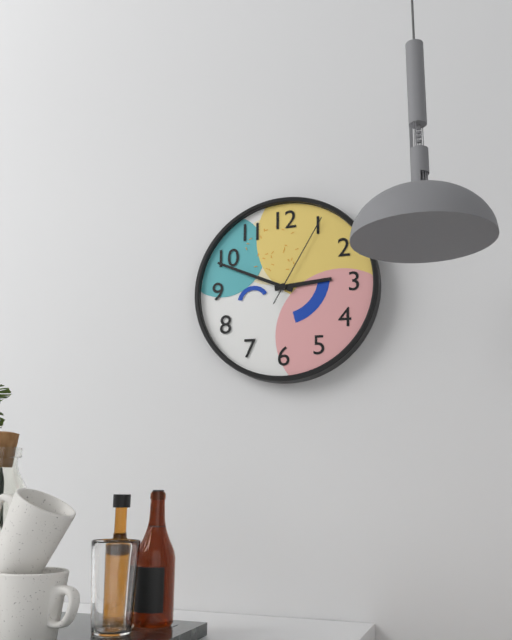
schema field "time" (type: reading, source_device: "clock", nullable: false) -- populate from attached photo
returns 2:49:05
